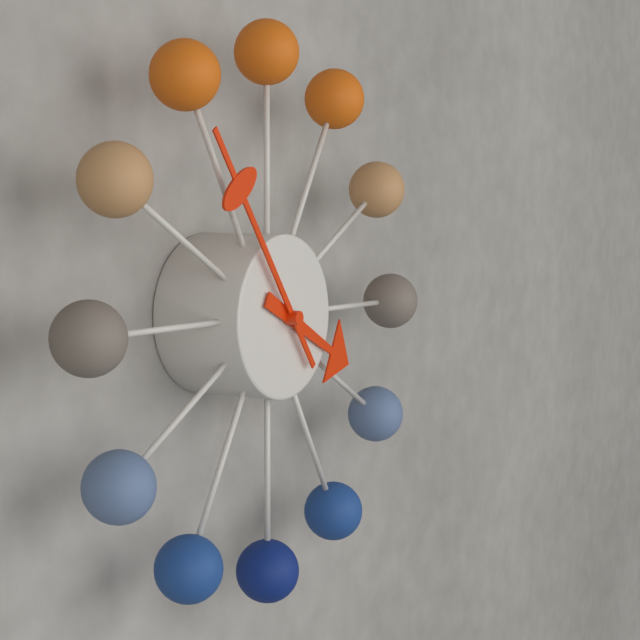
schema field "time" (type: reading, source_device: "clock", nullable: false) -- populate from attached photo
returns 3:54
